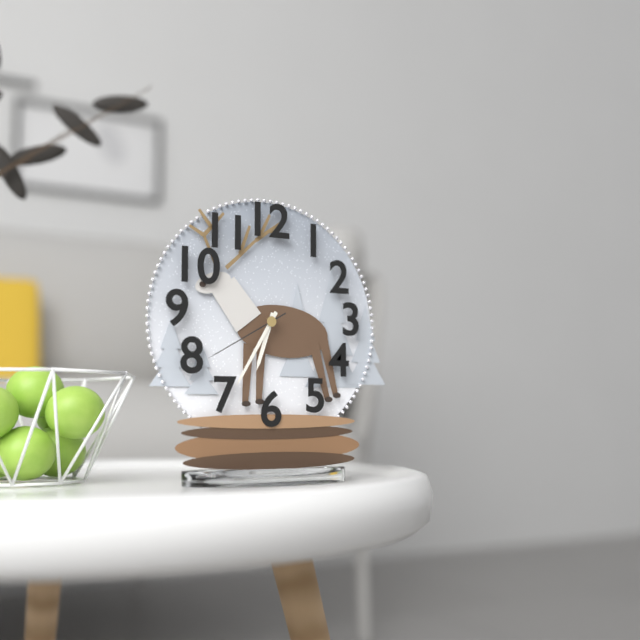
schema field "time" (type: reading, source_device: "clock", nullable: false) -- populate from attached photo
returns 6:35:40
